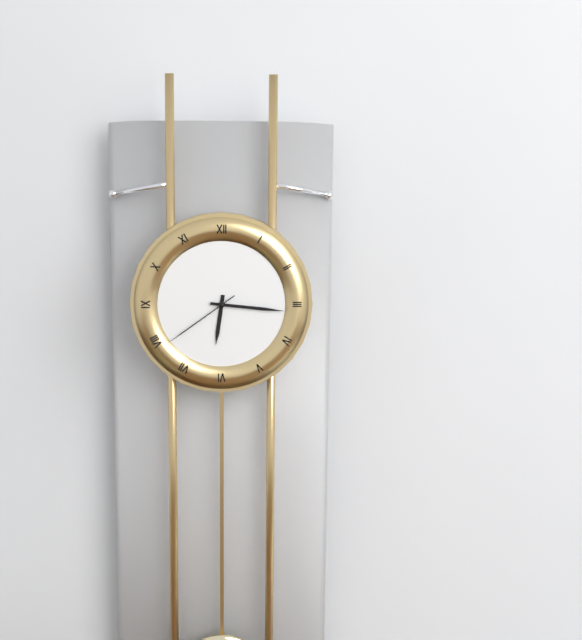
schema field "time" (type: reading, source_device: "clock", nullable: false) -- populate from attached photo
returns 6:16:39
